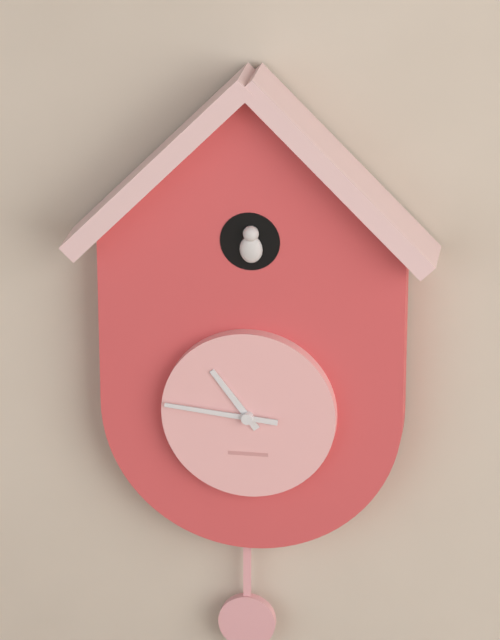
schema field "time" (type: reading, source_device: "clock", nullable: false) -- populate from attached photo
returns 10:46
